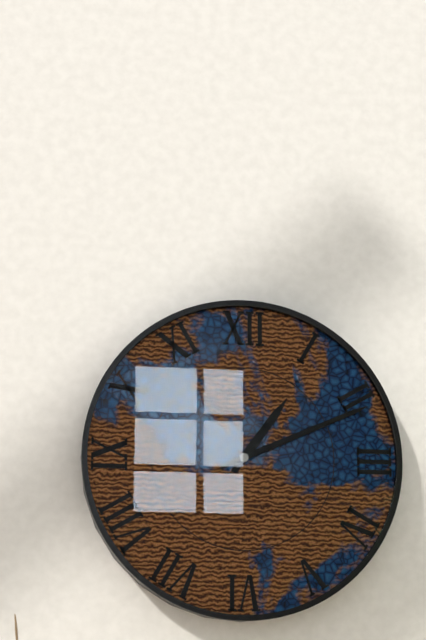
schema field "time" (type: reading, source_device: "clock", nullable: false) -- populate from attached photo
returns 1:11
